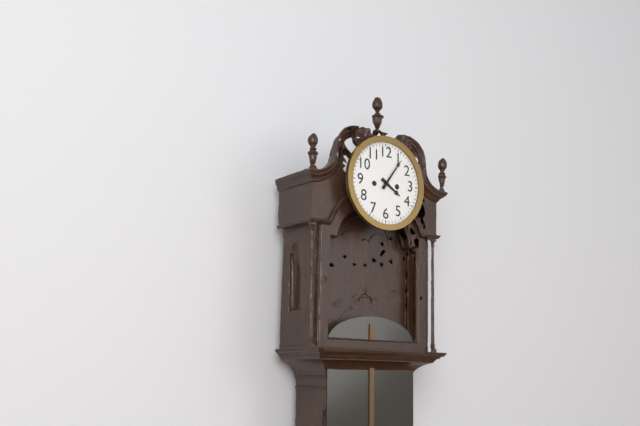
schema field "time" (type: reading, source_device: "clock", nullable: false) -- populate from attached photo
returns 4:06
